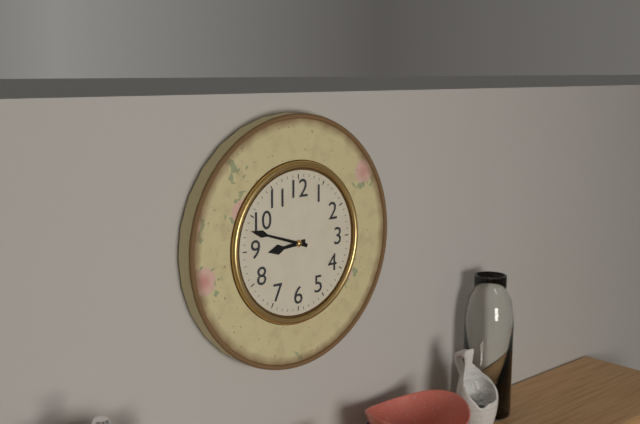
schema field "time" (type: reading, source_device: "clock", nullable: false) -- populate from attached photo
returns 8:48
